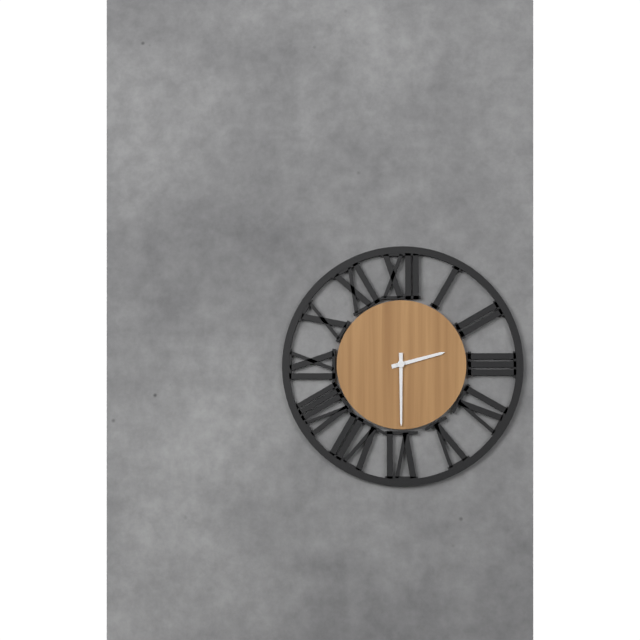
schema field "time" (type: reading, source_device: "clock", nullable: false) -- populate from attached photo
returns 2:30
